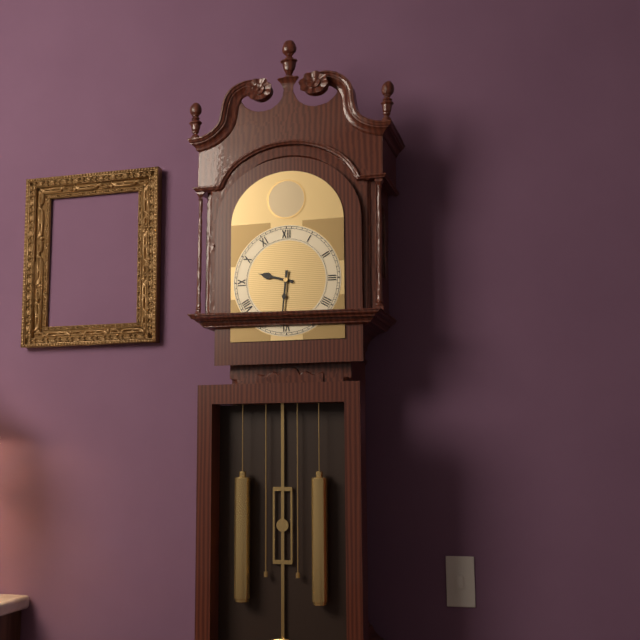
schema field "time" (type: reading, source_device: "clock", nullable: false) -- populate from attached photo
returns 9:31
